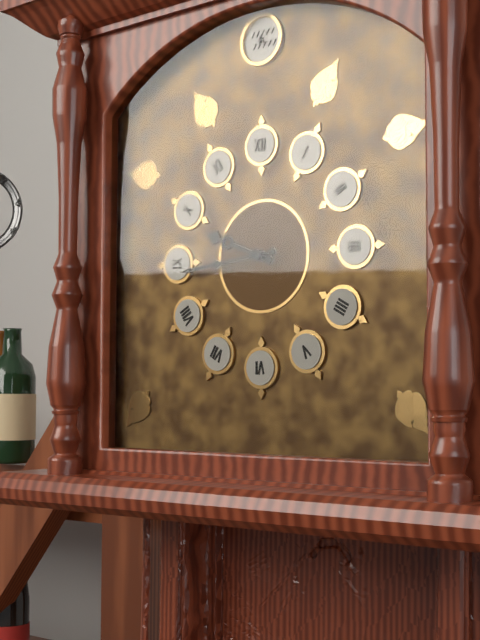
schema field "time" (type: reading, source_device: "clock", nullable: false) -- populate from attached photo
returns 9:44
